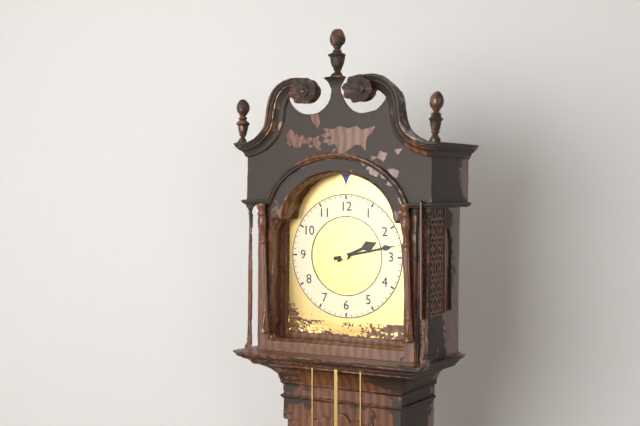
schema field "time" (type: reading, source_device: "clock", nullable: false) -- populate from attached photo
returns 2:13
